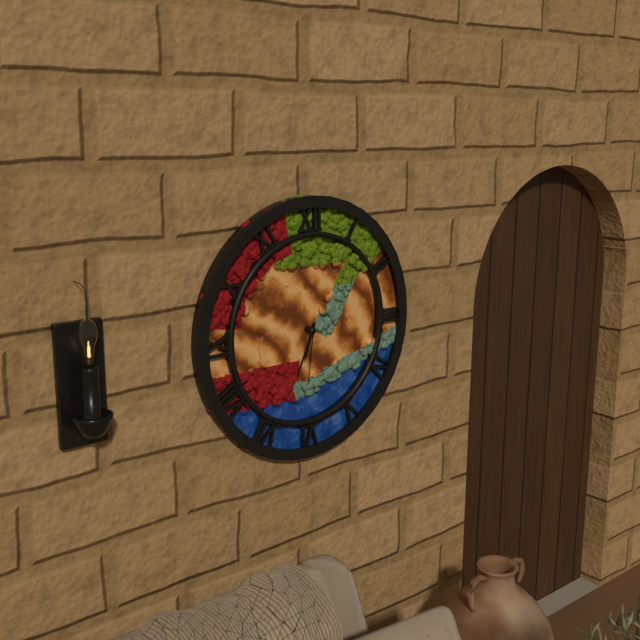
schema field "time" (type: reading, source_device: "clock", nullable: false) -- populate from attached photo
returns 6:34:31
